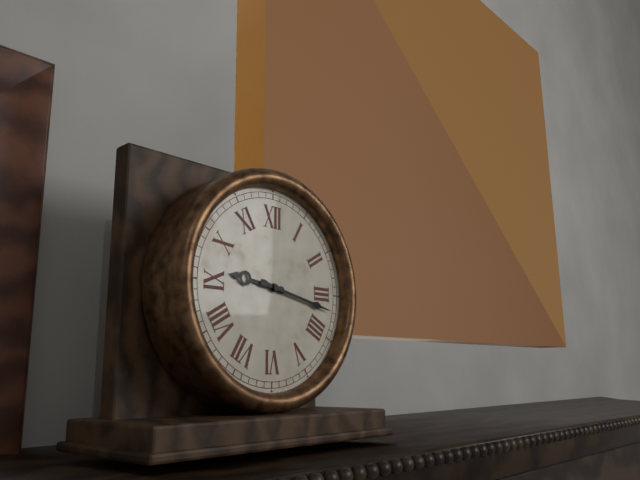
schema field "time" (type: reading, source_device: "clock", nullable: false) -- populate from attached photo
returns 9:17
